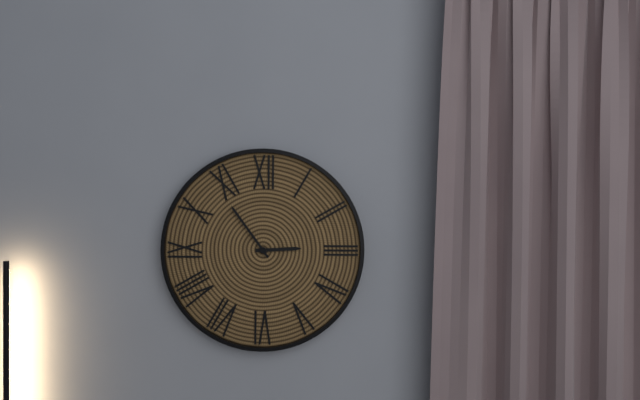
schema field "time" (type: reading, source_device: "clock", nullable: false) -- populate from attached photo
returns 2:54
